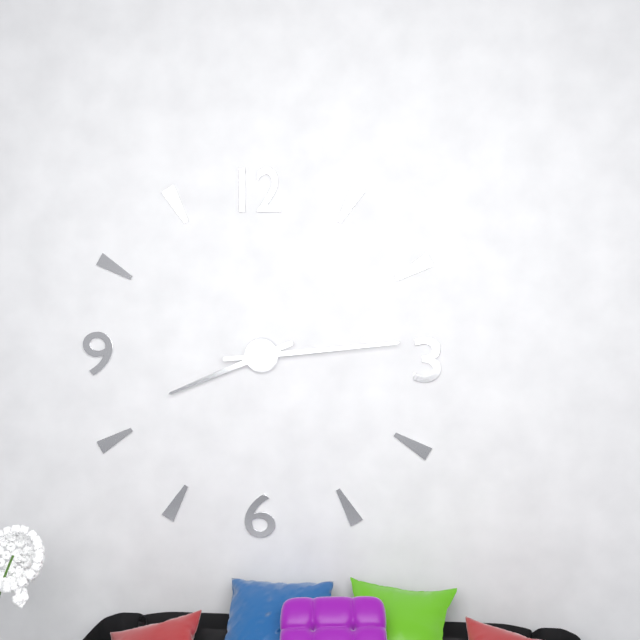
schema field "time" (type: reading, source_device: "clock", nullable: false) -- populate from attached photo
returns 8:14
